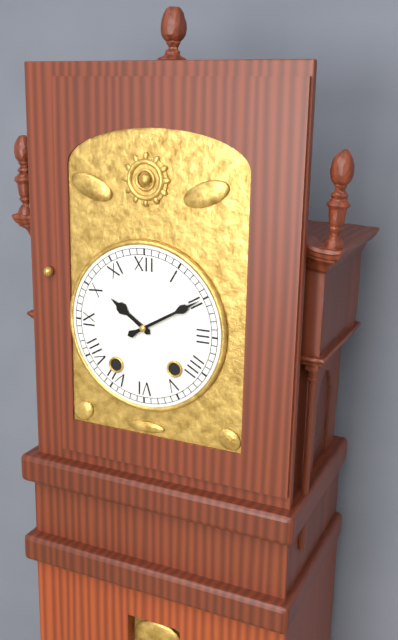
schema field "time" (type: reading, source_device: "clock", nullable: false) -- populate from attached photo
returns 10:10
